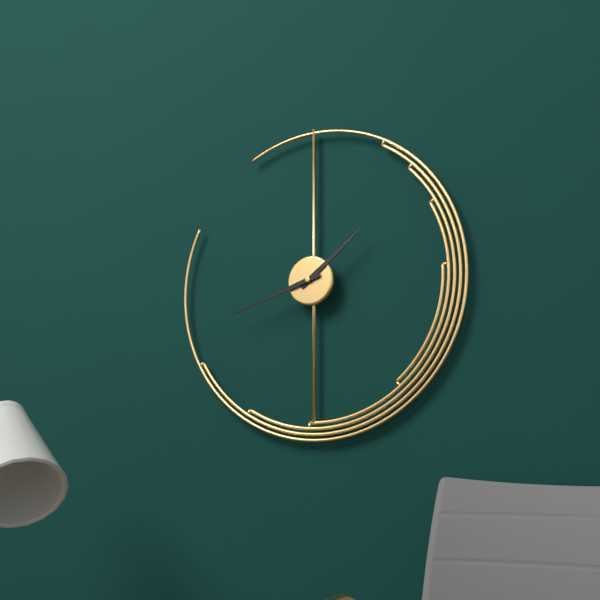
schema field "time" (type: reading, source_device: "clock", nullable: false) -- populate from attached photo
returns 1:42
